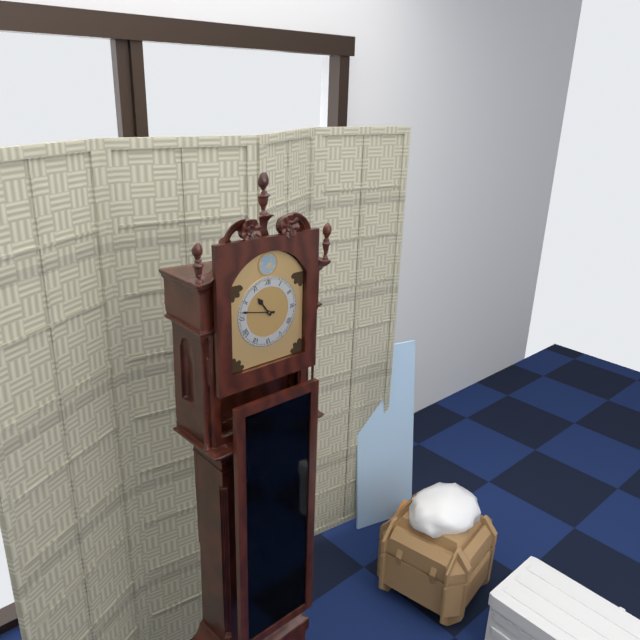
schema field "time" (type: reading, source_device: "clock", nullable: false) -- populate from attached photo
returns 10:47
